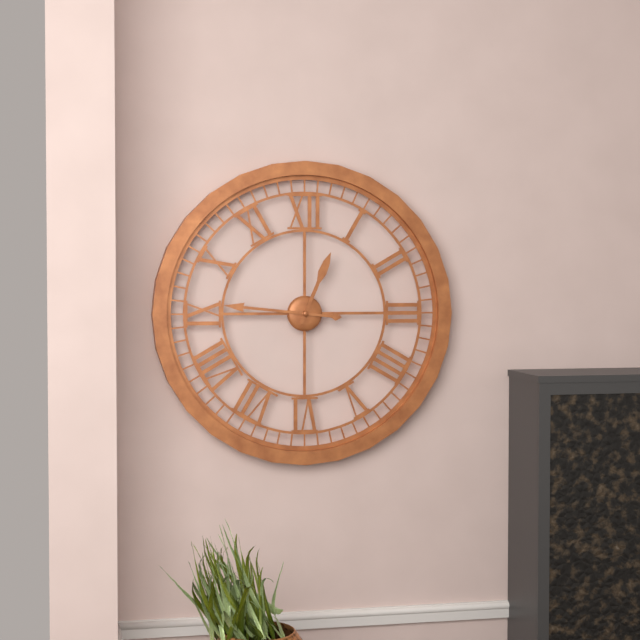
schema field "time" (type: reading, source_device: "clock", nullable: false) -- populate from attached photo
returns 12:46
